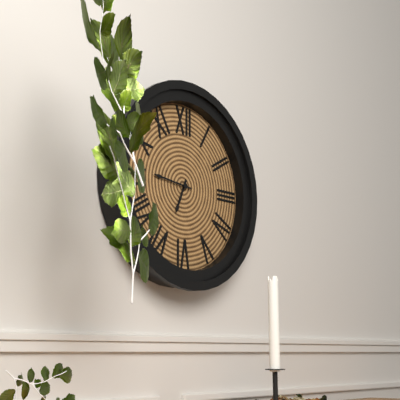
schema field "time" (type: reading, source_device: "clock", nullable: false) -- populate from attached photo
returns 6:46
